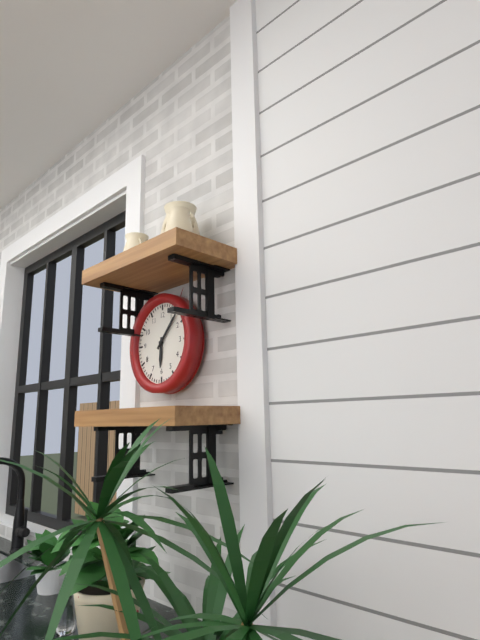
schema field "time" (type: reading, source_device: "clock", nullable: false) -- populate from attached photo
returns 6:07
